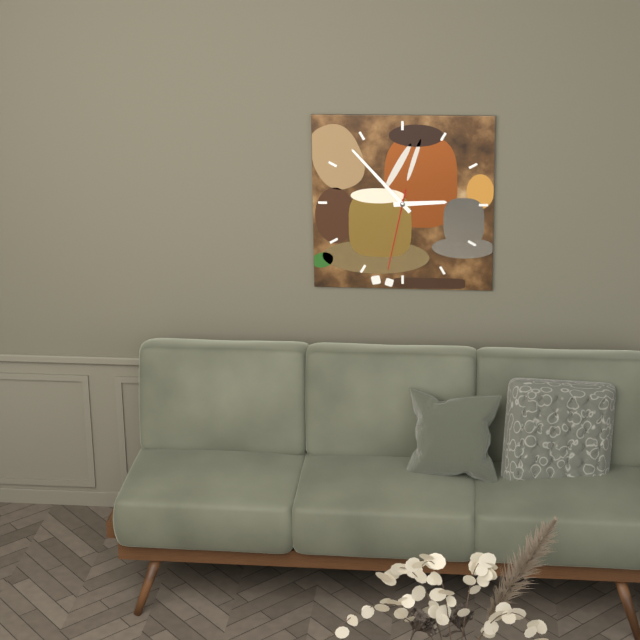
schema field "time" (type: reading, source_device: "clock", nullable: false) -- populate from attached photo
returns 2:53:32
